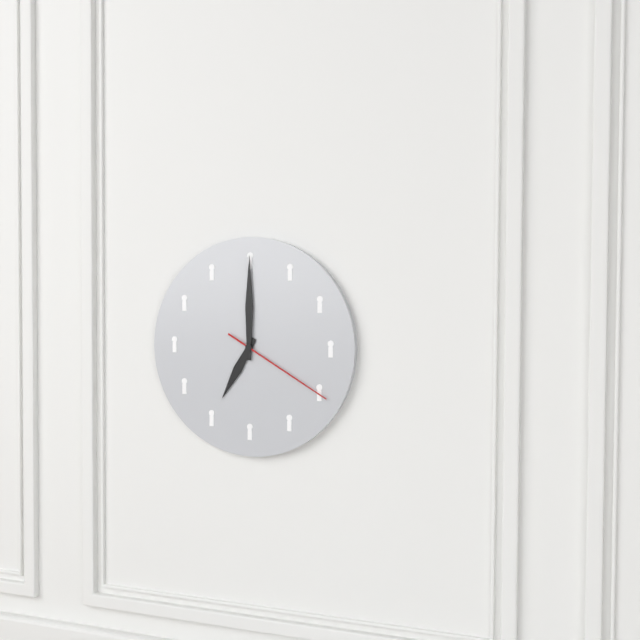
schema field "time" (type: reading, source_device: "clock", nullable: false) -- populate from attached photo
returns 7:00:20
